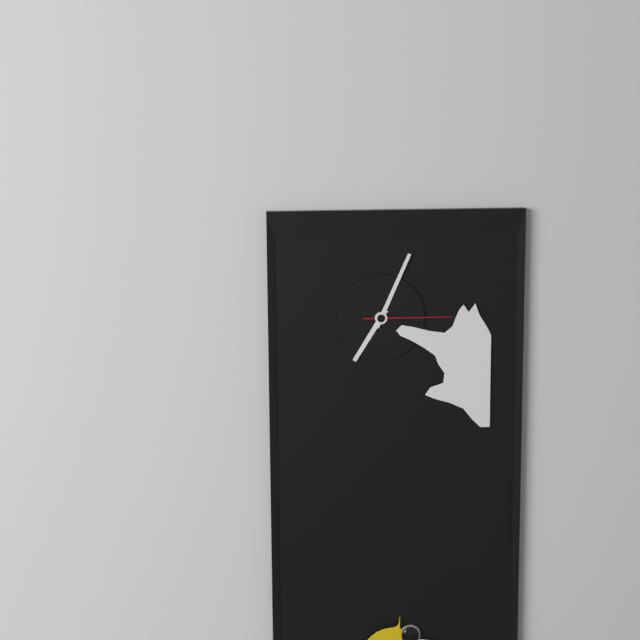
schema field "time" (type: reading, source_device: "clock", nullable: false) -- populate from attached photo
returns 7:04:15
